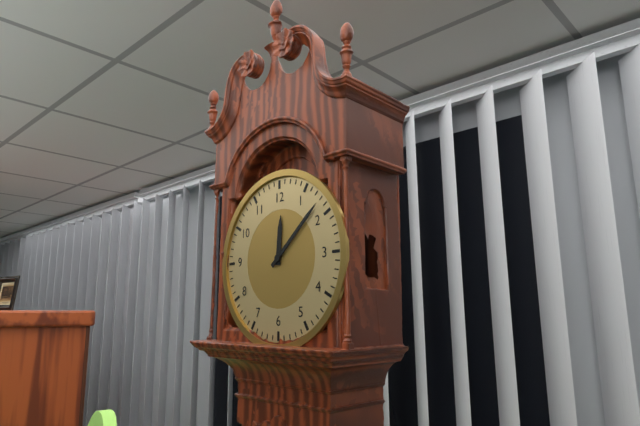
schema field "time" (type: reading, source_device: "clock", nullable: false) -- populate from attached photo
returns 12:08
